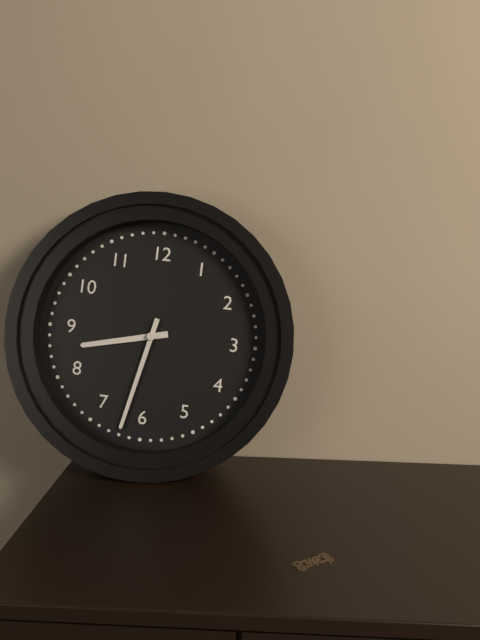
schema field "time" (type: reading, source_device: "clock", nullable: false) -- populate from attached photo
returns 8:32
